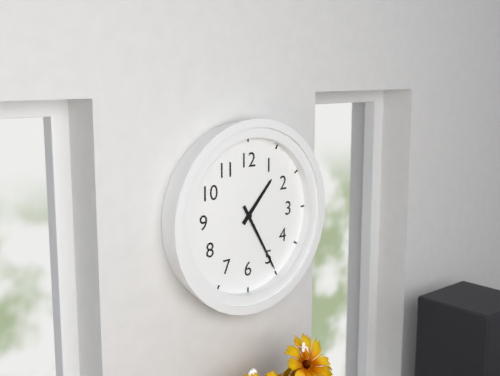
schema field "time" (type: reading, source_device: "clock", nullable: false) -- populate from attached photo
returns 1:25
